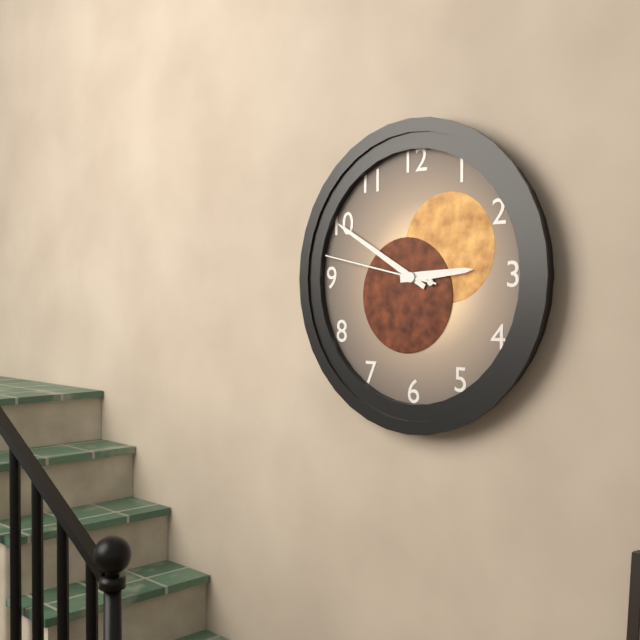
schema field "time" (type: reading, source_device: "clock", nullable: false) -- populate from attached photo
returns 2:50:47
